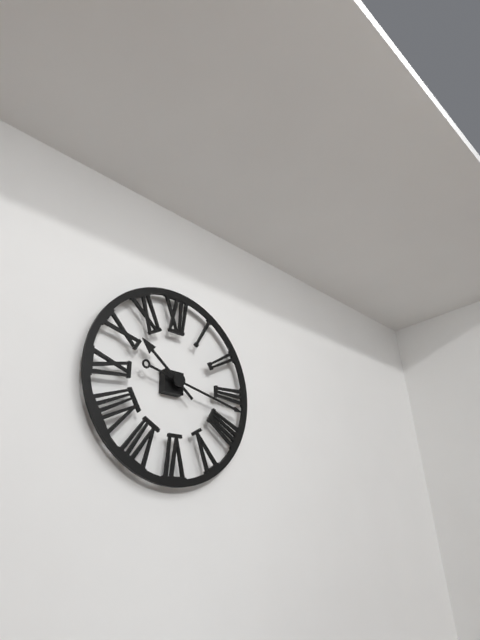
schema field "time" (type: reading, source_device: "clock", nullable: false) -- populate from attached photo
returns 10:17
